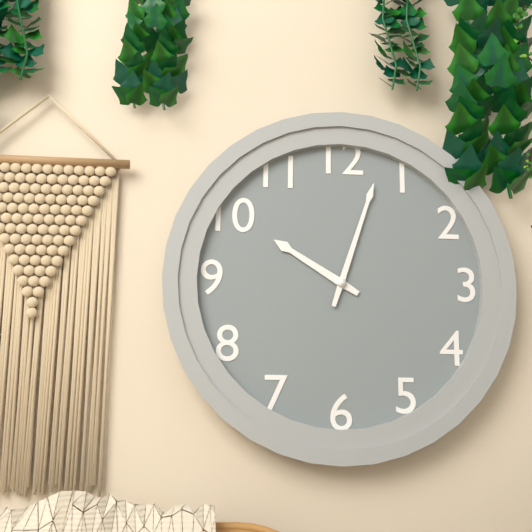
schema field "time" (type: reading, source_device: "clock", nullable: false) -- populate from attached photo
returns 10:03
